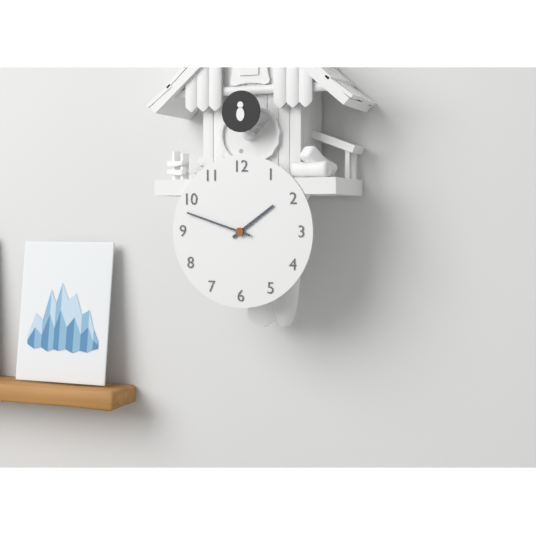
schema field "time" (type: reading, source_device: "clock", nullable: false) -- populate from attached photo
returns 1:48
